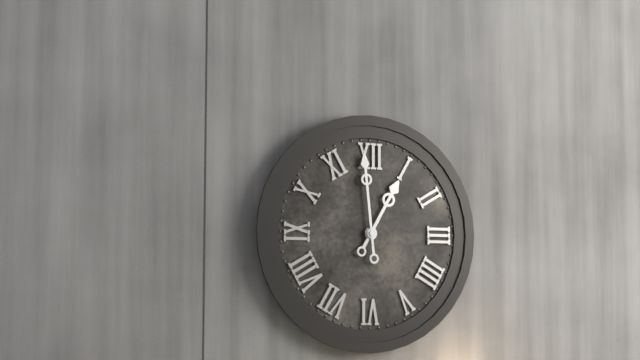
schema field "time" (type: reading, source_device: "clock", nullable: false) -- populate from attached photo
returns 12:59
